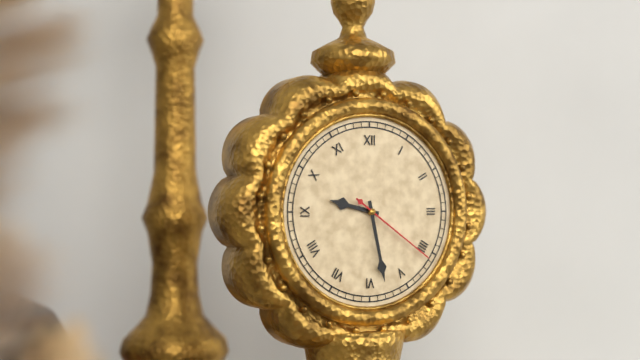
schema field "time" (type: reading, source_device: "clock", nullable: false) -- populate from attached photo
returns 9:28:21
